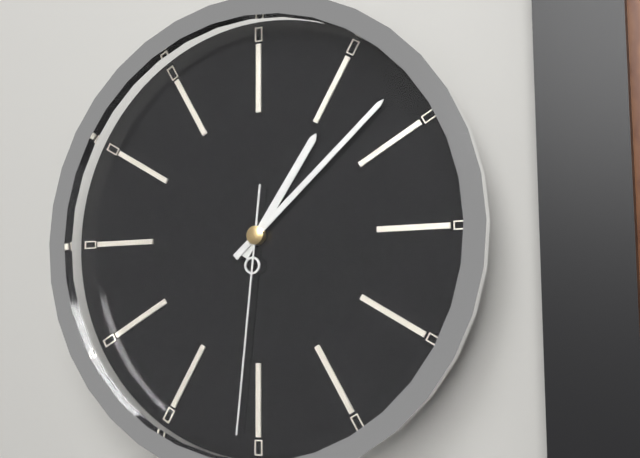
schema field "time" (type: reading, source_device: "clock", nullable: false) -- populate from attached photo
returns 1:08:31
